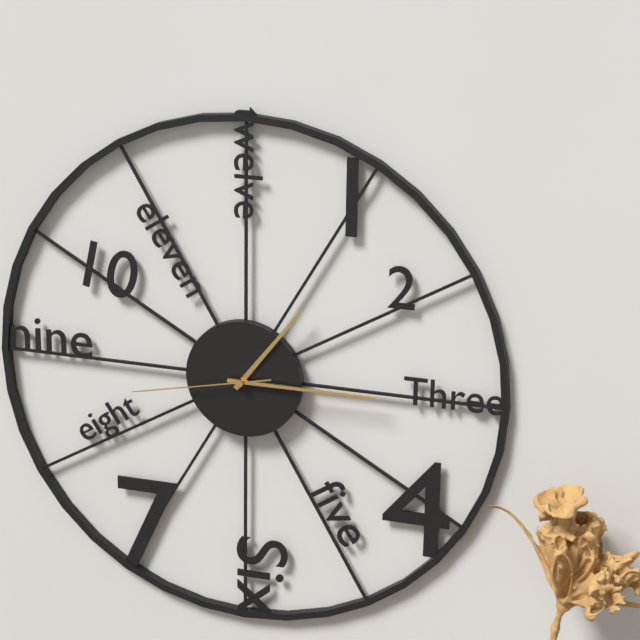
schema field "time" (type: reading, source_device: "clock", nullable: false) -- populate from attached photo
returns 1:15:43
